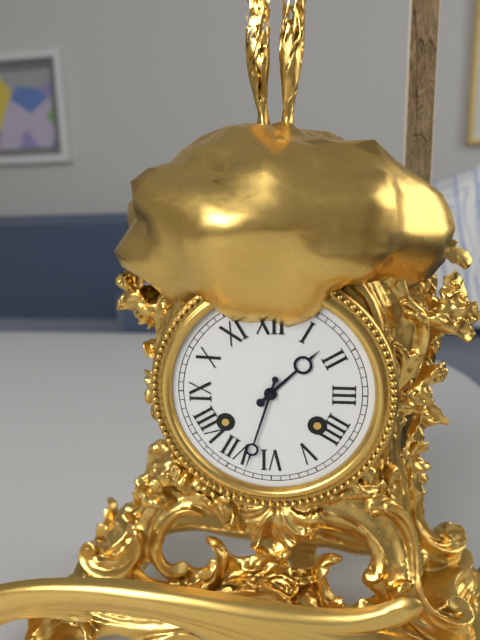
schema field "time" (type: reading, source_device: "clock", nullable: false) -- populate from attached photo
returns 1:33
